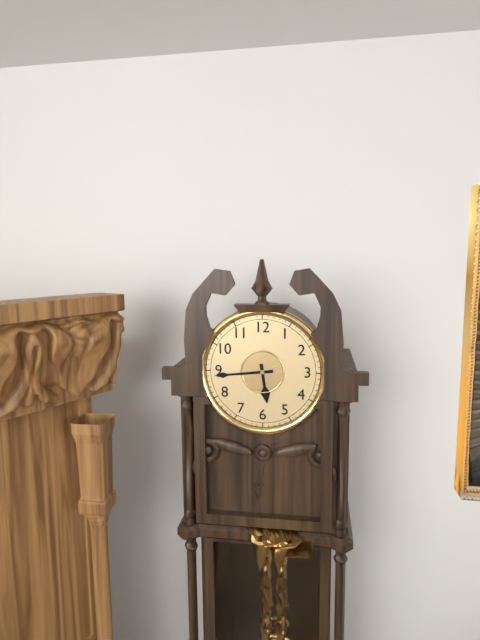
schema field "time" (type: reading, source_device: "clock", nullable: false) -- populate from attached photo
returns 5:44
